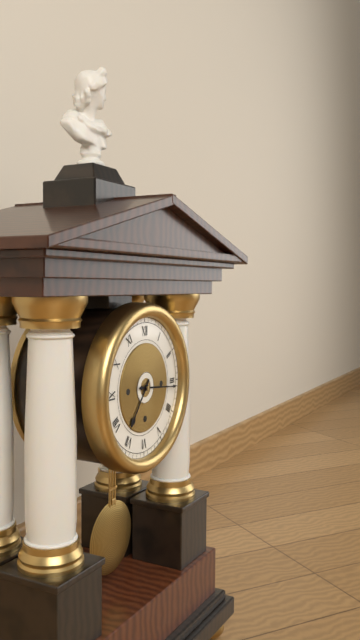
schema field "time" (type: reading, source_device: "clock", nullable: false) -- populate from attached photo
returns 7:16
